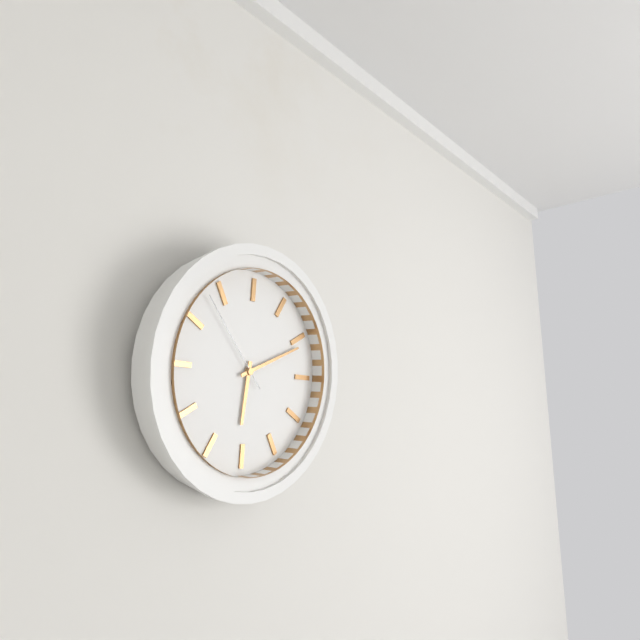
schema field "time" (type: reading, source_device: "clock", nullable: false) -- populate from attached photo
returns 6:11:53
